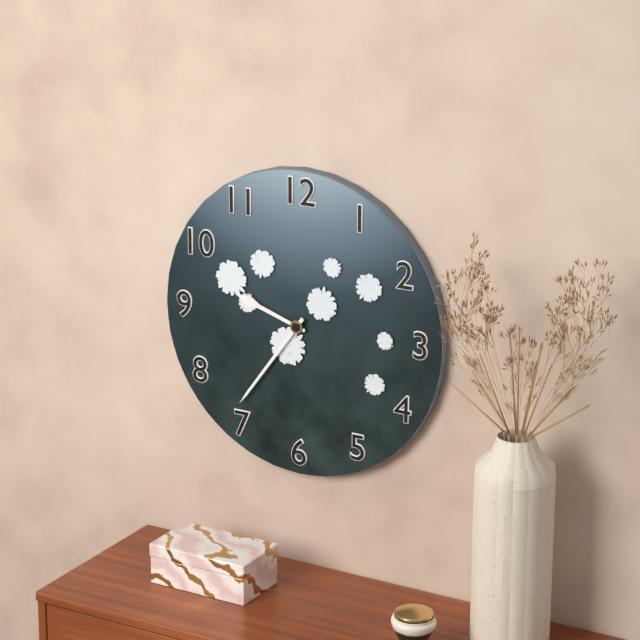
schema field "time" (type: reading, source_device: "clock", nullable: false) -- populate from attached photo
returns 9:36
